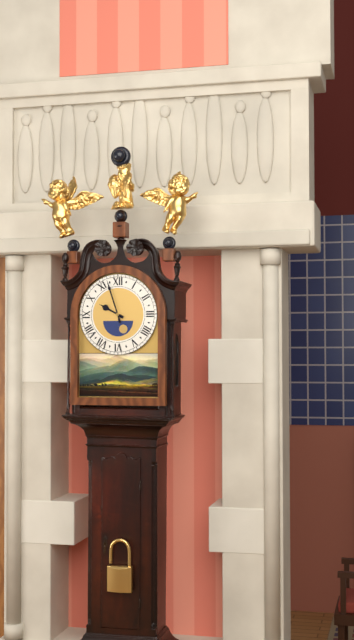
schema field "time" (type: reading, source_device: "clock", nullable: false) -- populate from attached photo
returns 9:57
